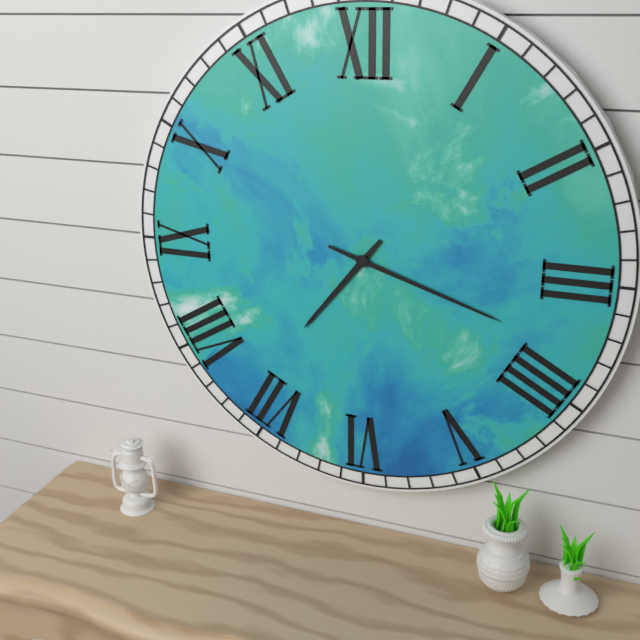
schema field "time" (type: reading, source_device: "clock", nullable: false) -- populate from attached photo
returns 7:18
